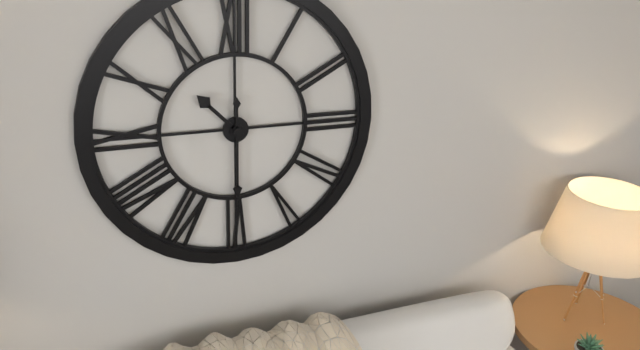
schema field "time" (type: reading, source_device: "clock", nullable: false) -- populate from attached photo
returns 10:30
